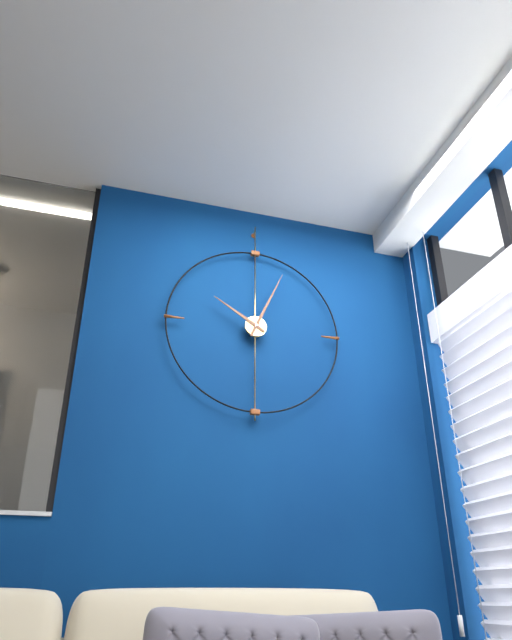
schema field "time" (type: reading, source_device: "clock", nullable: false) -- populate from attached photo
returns 10:04
